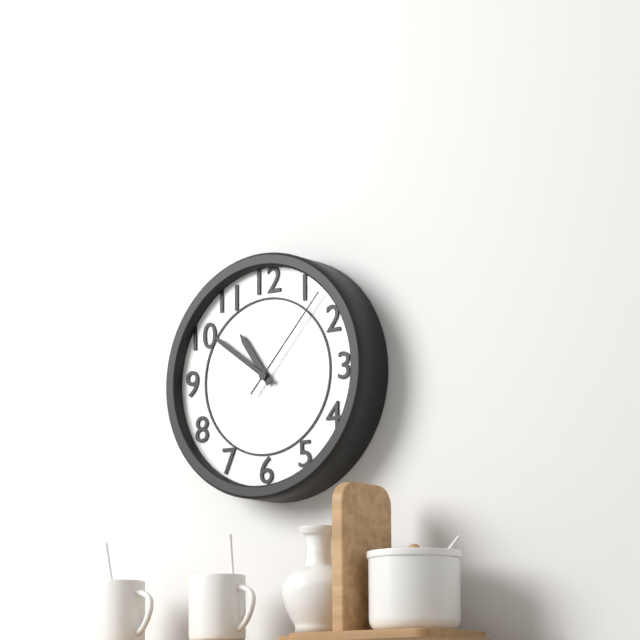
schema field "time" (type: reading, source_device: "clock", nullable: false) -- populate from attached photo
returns 10:51:07
